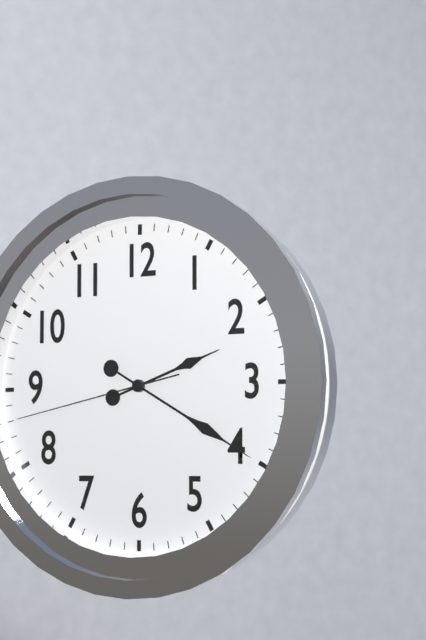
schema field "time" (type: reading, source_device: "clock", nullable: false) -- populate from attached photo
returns 2:20:43
